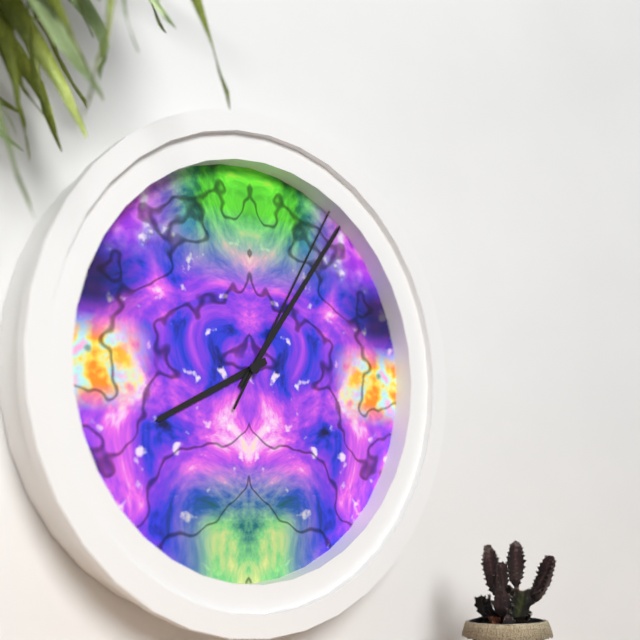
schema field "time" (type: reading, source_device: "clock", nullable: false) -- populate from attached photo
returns 8:06:05
